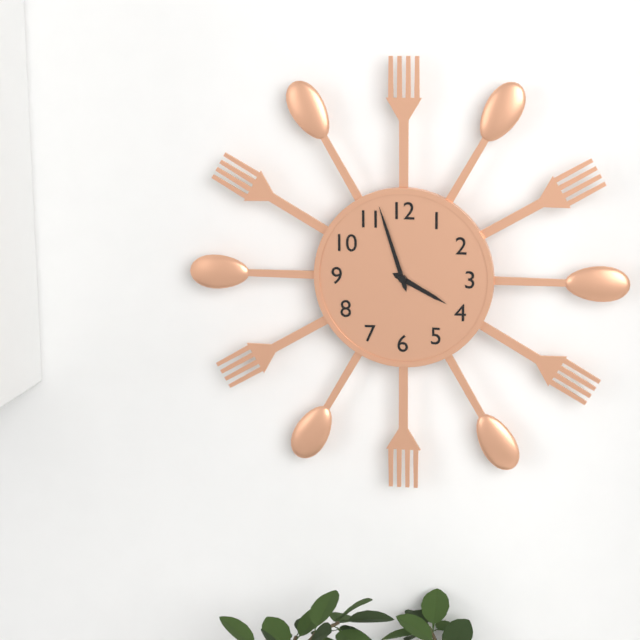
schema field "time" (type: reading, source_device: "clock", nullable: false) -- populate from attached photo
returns 3:57
